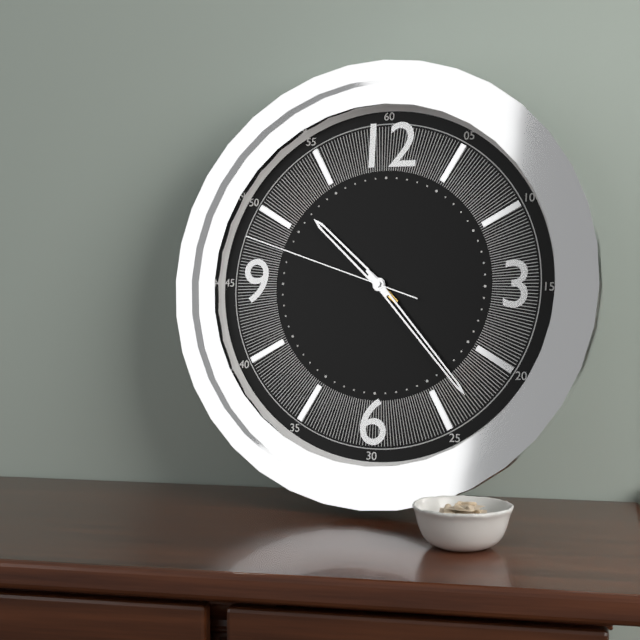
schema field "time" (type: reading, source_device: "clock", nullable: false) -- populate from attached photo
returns 10:23:48
